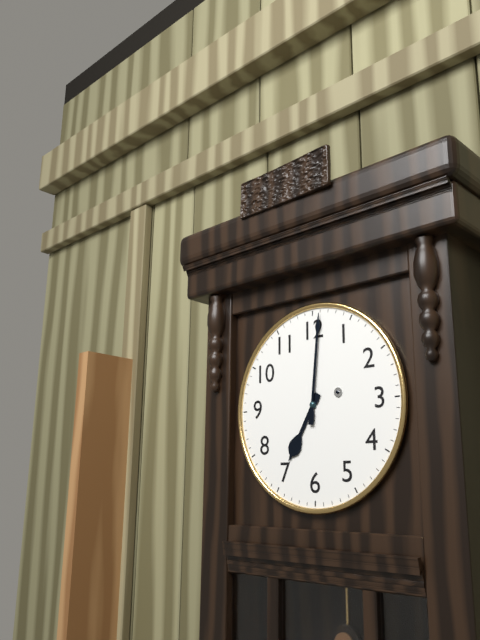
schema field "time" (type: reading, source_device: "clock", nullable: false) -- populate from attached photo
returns 7:01
